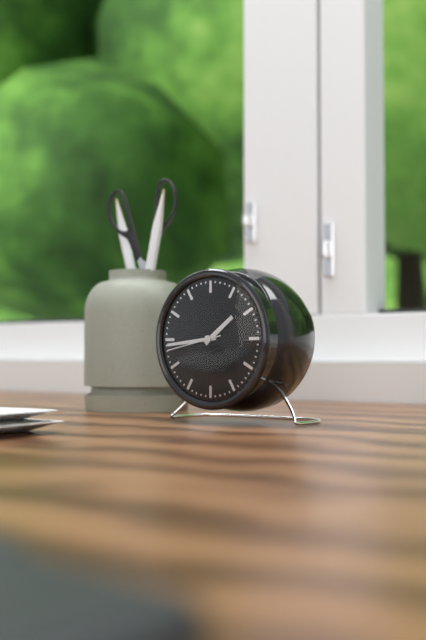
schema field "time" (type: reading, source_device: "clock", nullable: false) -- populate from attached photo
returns 1:44:43
